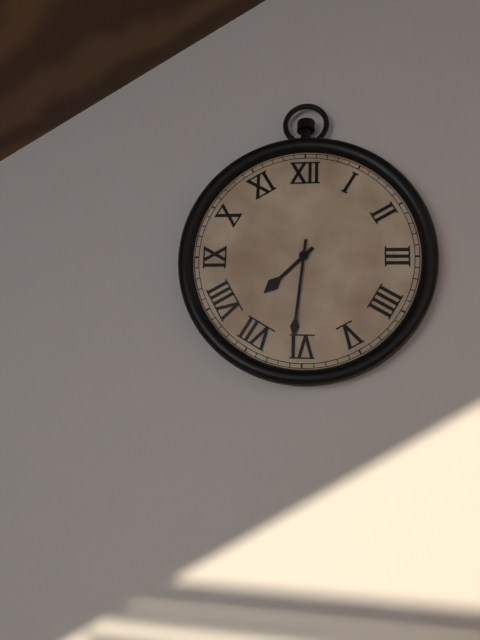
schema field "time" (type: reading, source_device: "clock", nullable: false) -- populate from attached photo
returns 7:31
